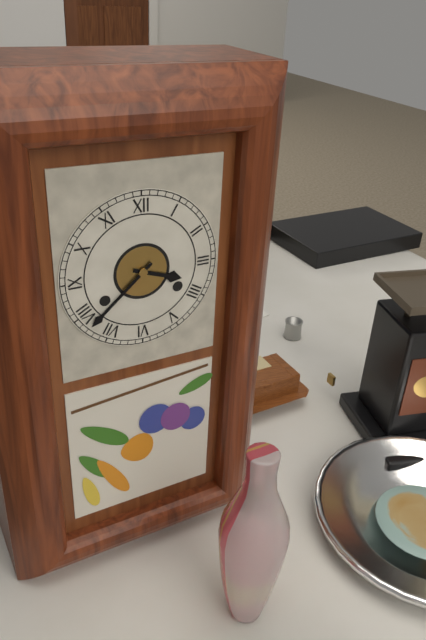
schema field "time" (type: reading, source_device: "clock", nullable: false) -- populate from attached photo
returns 3:38
